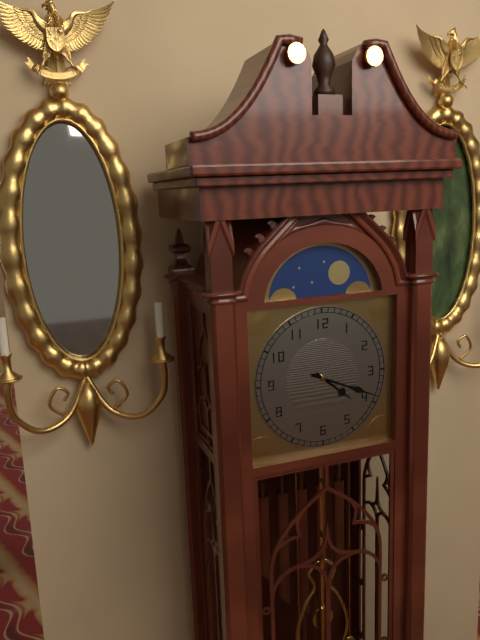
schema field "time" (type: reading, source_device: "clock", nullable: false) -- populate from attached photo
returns 4:19
